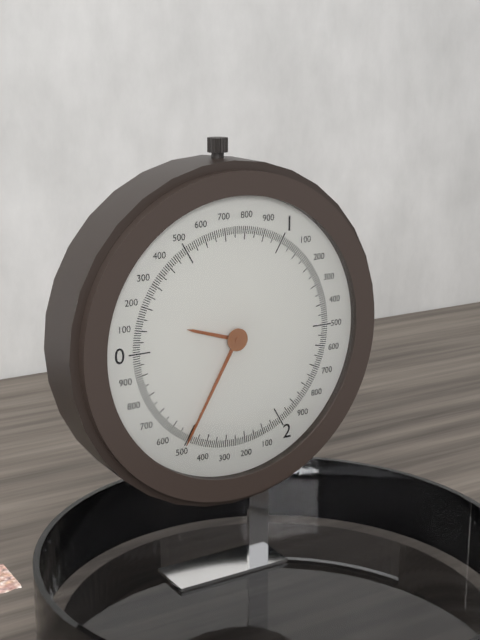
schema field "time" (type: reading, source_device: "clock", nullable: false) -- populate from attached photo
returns 9:35
